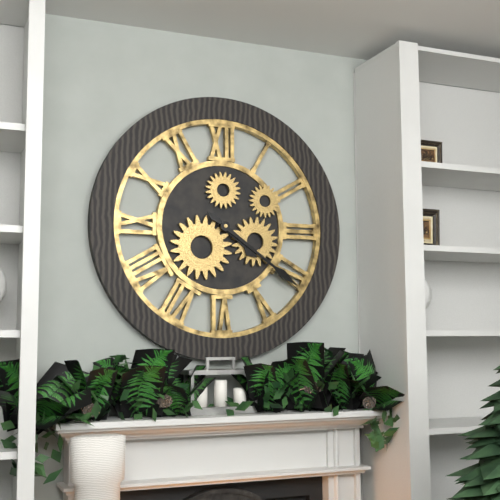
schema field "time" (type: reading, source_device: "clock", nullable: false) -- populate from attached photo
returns 4:21
